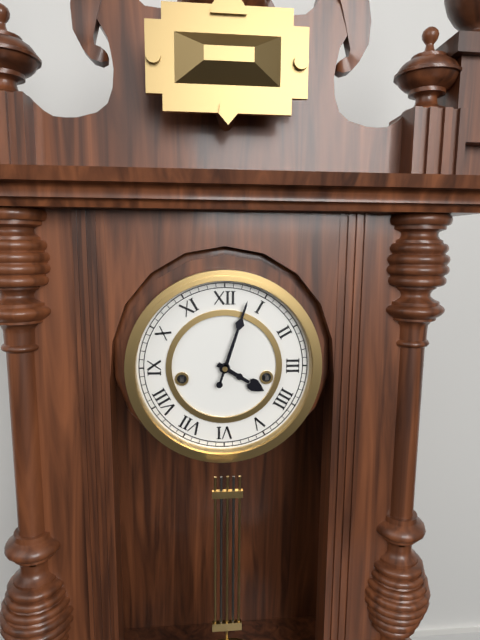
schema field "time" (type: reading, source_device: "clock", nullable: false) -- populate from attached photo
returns 4:03
